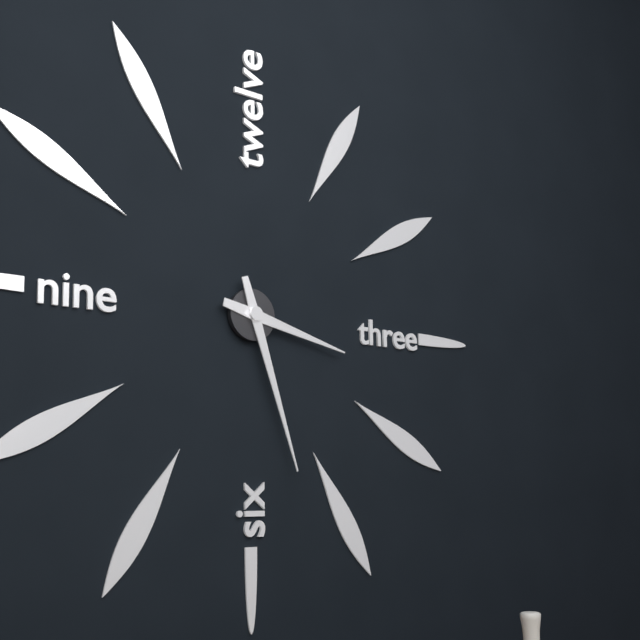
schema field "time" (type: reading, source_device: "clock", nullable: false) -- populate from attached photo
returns 3:27
